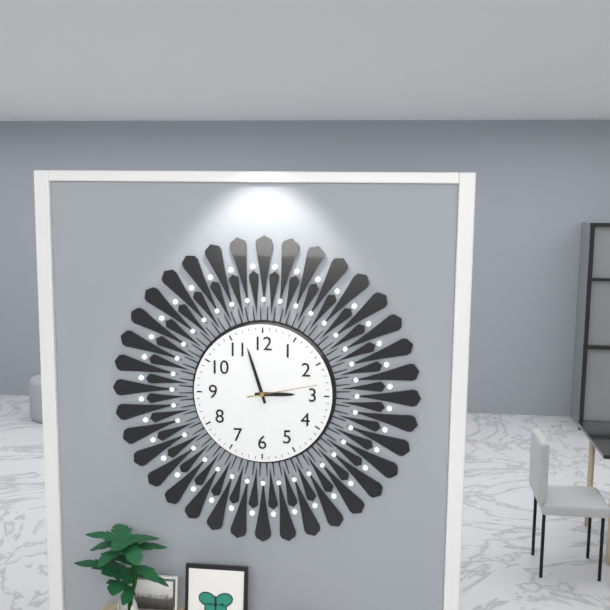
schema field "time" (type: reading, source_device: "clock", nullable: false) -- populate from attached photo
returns 2:57:13
